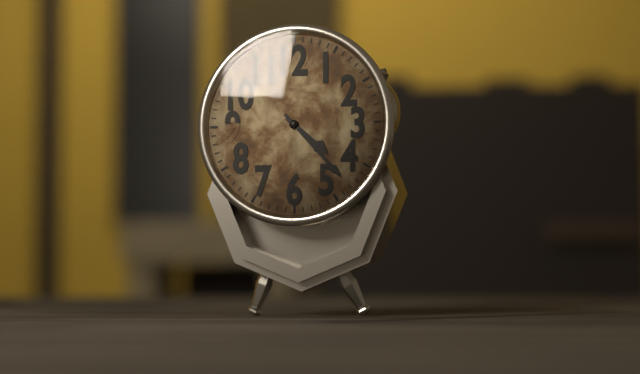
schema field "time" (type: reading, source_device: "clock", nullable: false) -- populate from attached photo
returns 4:23
